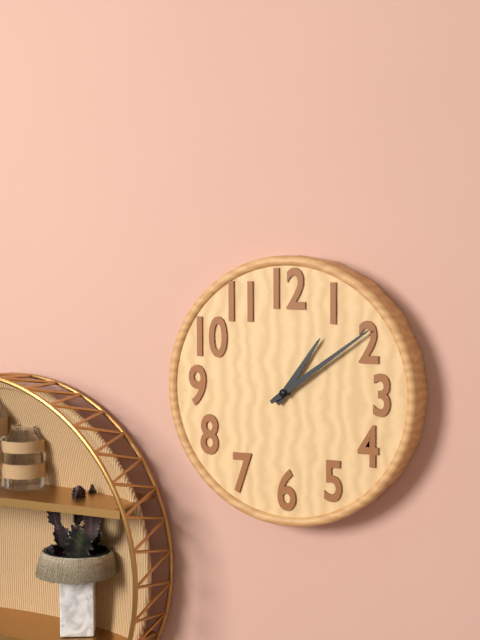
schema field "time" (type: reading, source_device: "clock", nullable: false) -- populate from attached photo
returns 1:09
